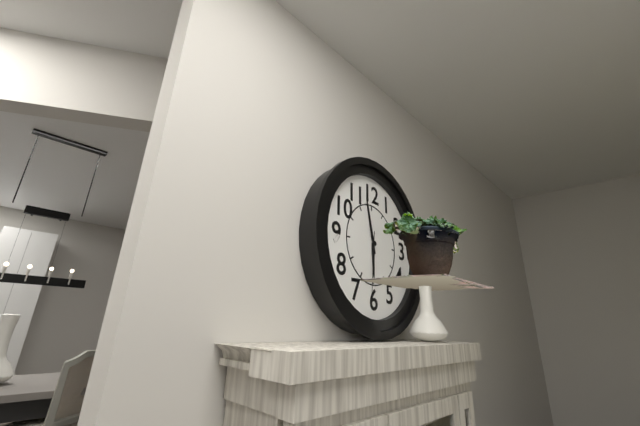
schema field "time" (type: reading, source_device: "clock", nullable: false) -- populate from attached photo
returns 5:58:31
